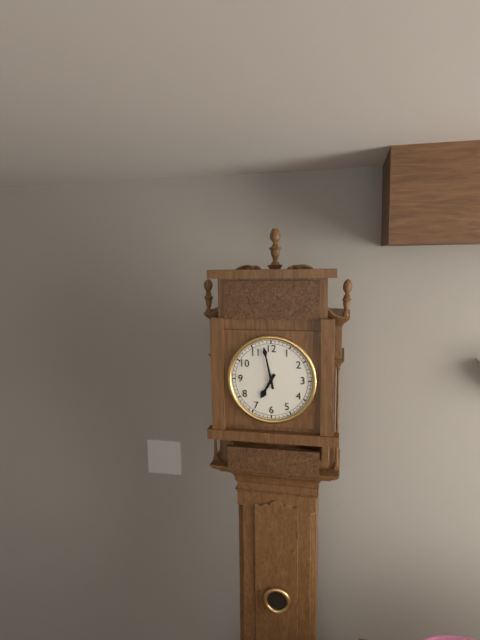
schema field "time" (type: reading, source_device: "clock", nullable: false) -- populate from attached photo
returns 6:58
